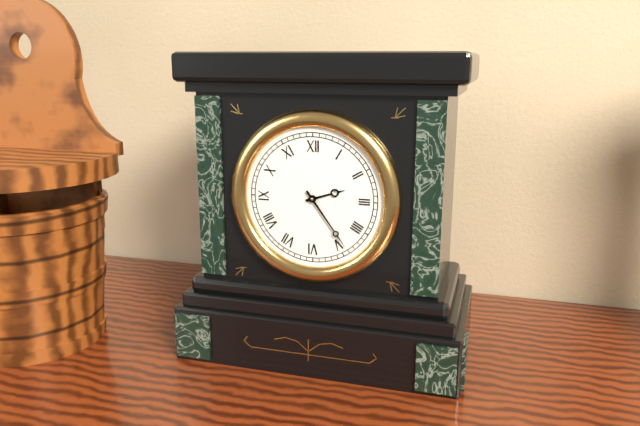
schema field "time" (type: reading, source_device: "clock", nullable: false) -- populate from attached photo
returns 2:24
